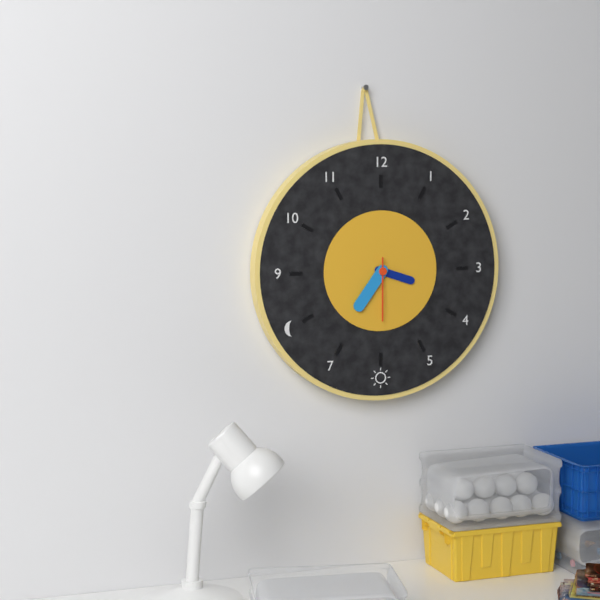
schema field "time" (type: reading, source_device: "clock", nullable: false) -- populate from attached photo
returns 3:36:30
